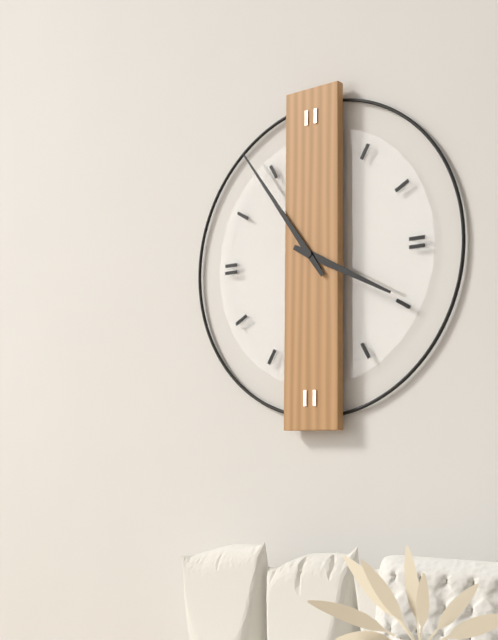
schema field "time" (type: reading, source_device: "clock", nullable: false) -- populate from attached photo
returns 3:54
